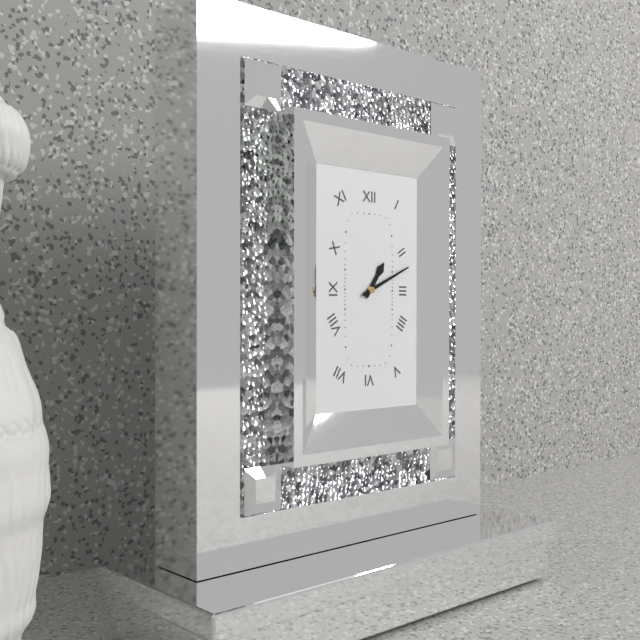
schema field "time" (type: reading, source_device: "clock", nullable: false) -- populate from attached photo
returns 1:11
